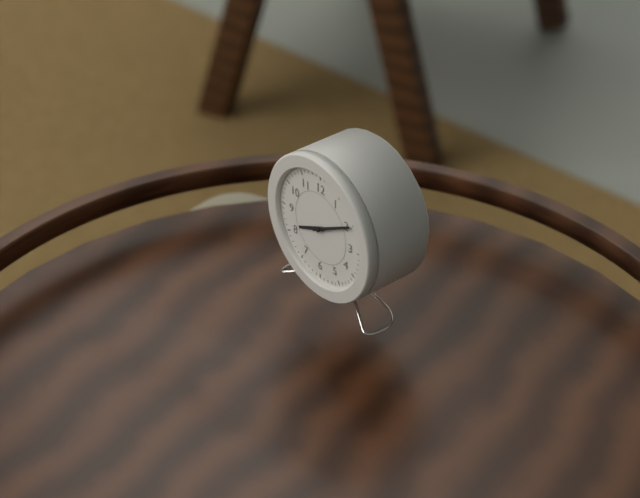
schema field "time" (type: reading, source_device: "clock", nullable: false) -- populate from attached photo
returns 8:10
